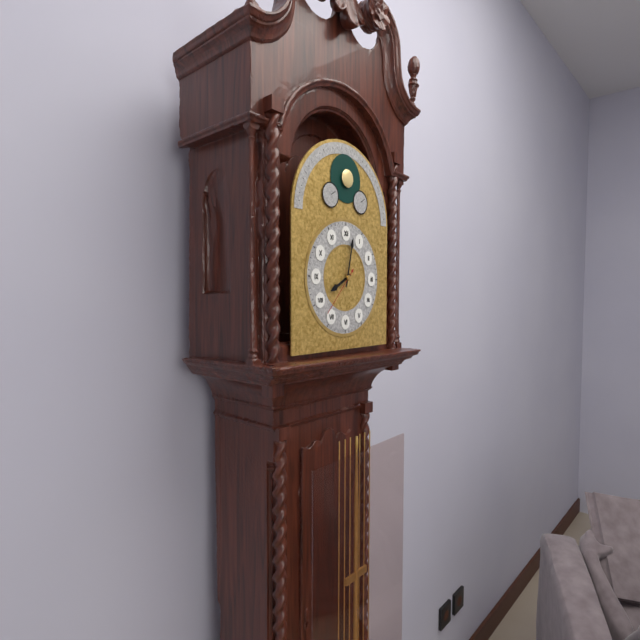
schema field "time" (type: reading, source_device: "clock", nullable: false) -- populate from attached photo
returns 8:02:37
